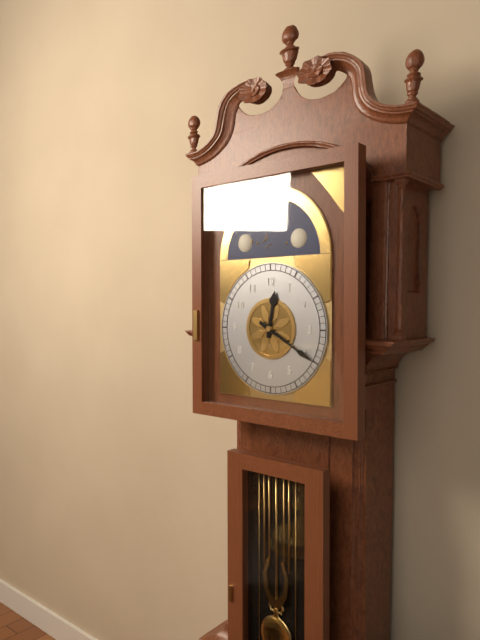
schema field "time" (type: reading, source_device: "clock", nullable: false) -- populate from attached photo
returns 12:20
